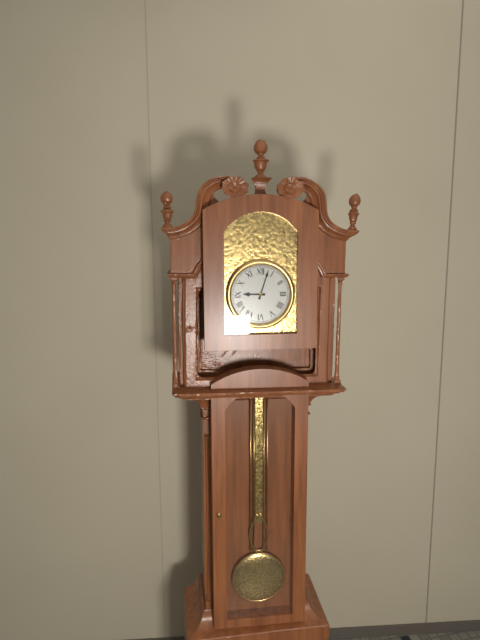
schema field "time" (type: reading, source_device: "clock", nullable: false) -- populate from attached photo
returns 9:03
